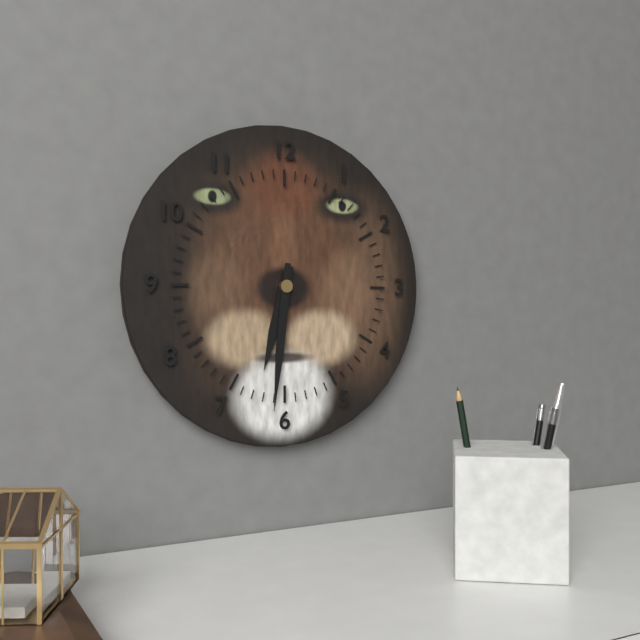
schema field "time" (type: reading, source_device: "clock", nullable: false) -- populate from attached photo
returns 6:31
